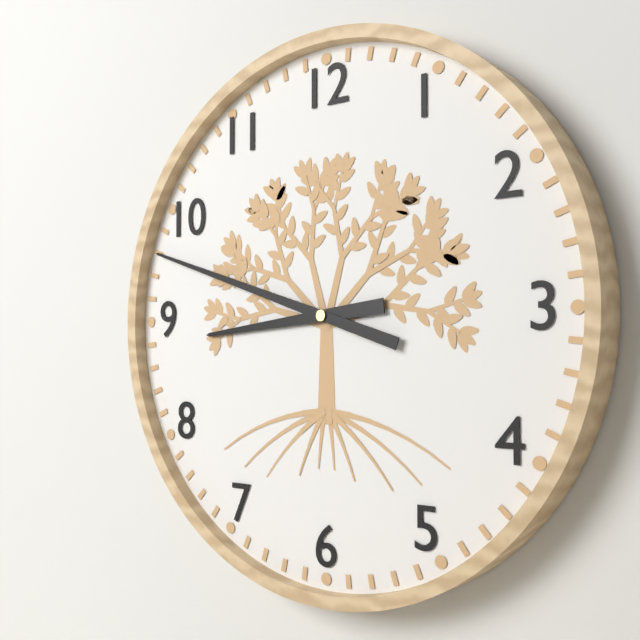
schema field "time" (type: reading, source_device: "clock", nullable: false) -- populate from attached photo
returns 8:48
